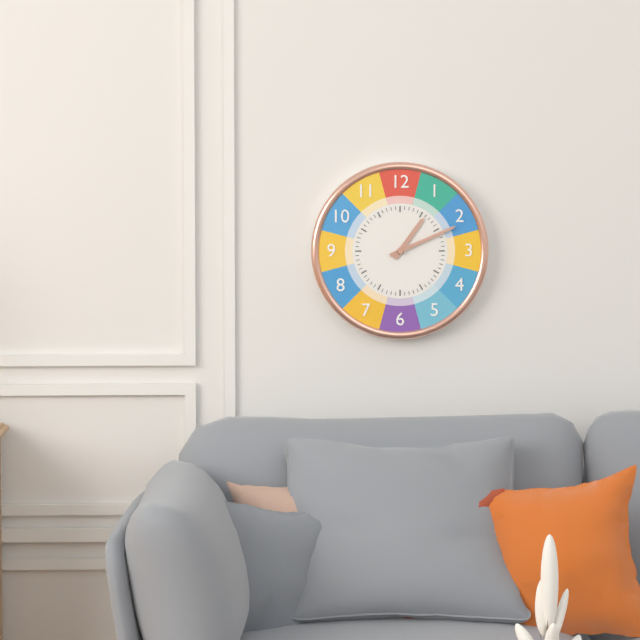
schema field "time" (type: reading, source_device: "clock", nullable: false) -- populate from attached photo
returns 1:11
